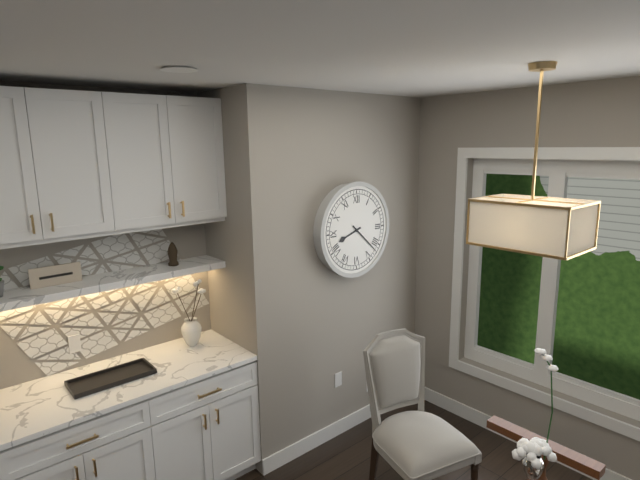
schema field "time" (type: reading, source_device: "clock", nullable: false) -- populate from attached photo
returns 8:22
